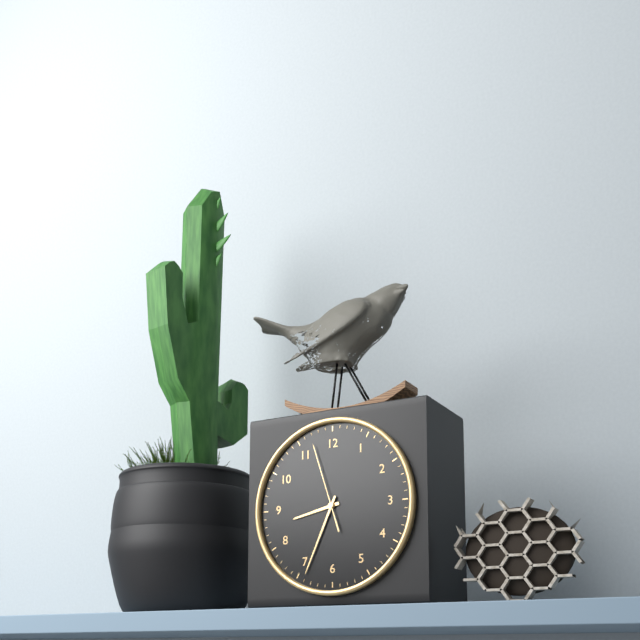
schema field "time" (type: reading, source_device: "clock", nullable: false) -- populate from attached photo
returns 8:34:57
